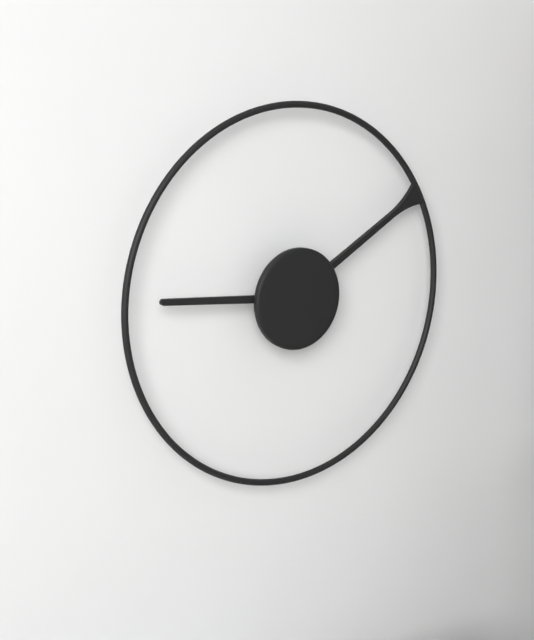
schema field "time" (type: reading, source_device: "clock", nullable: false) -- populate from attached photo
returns 9:10
